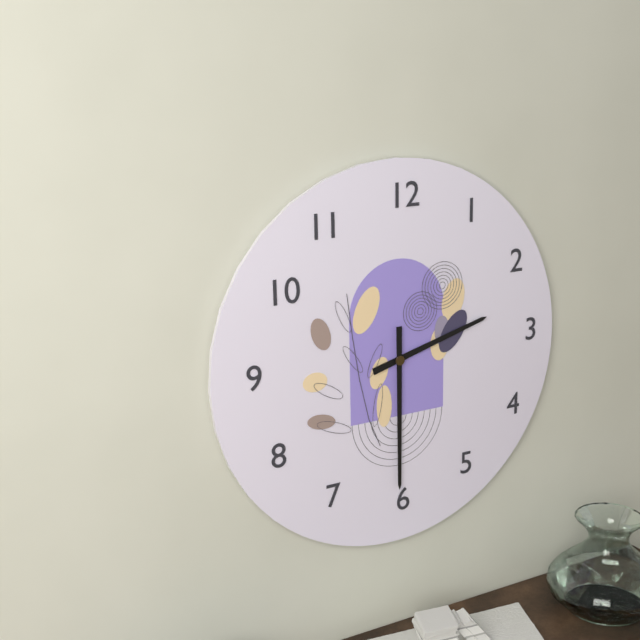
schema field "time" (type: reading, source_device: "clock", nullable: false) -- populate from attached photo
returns 2:30
